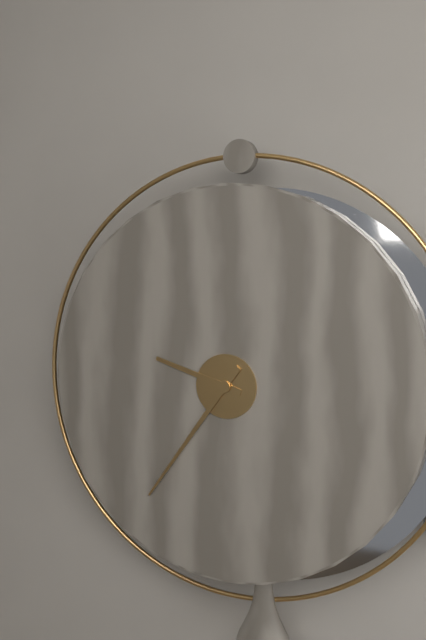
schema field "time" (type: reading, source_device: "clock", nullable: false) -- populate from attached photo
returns 9:36
